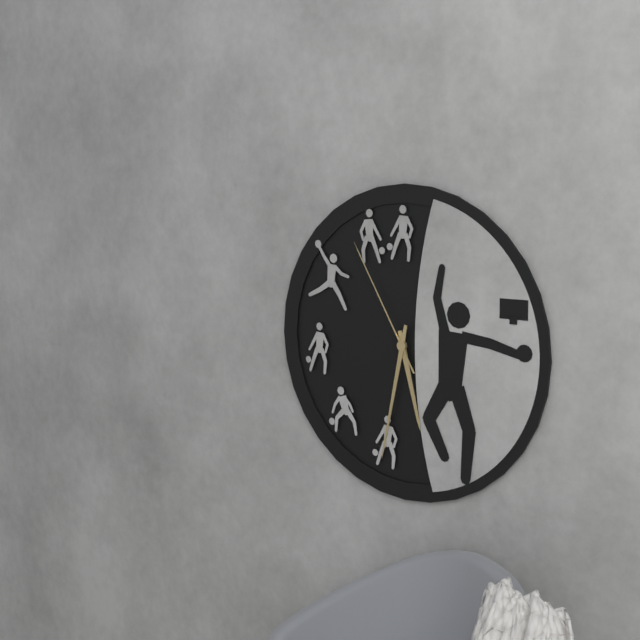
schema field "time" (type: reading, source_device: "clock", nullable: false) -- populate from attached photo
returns 5:32:55
